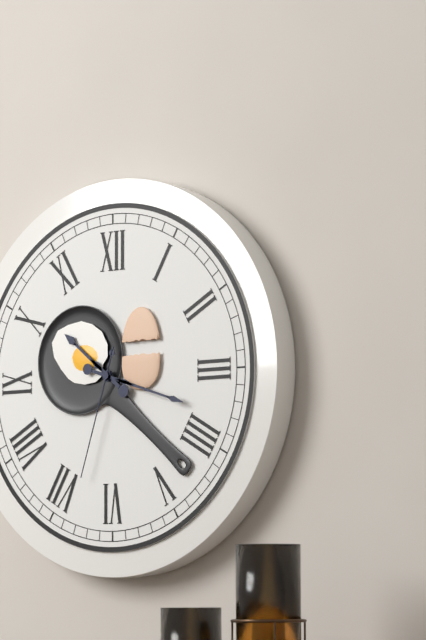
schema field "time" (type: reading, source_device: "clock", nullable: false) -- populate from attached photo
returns 10:18:33
